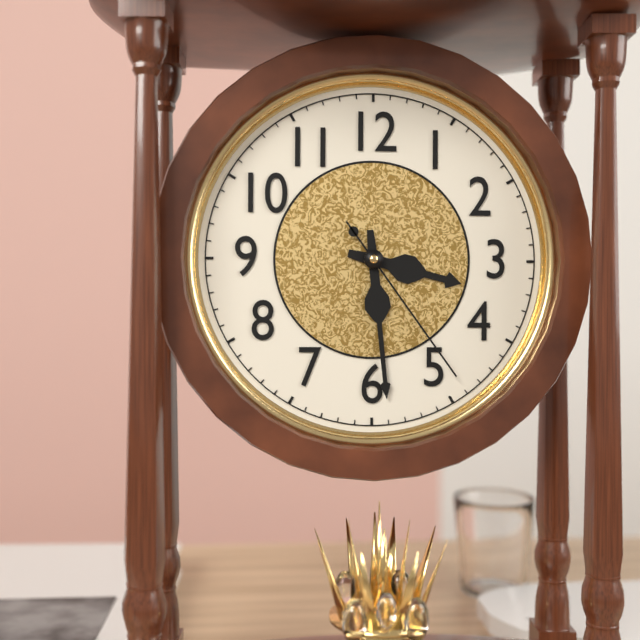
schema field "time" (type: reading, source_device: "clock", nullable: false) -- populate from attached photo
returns 3:29:24
